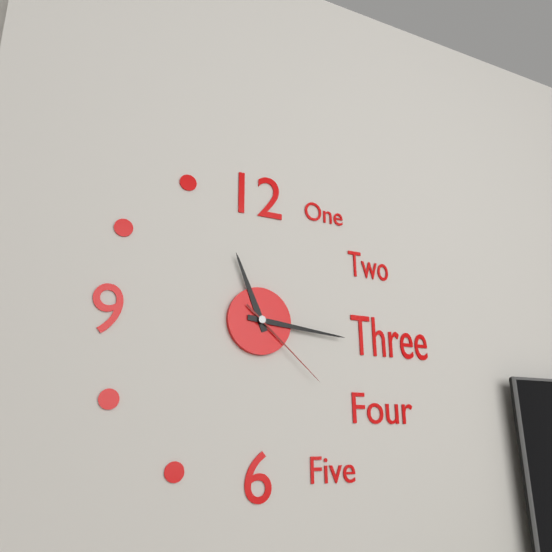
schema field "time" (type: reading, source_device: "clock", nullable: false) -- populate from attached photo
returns 11:16:22
